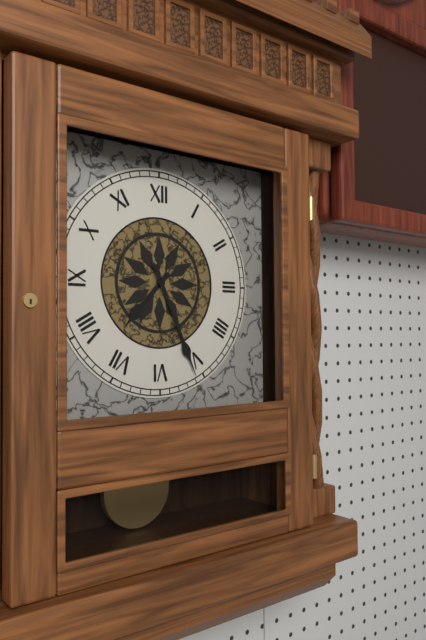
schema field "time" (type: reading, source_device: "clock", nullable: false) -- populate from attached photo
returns 7:26
